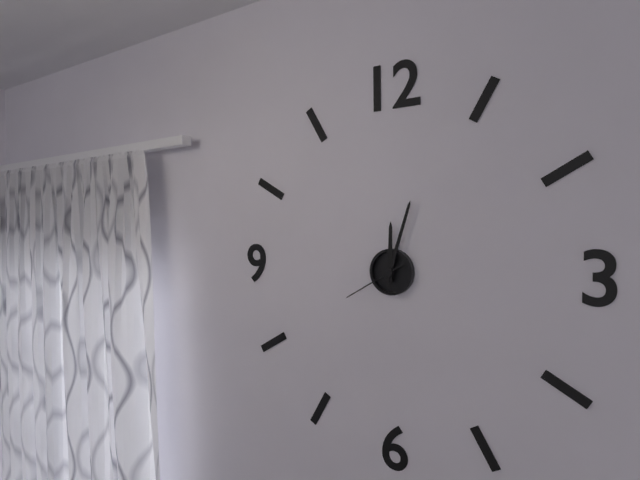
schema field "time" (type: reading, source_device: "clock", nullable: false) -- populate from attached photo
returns 12:03:40
